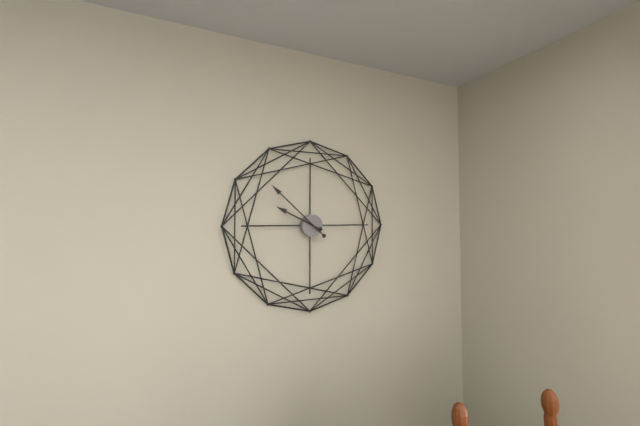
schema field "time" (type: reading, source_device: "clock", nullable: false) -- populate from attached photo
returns 9:52
